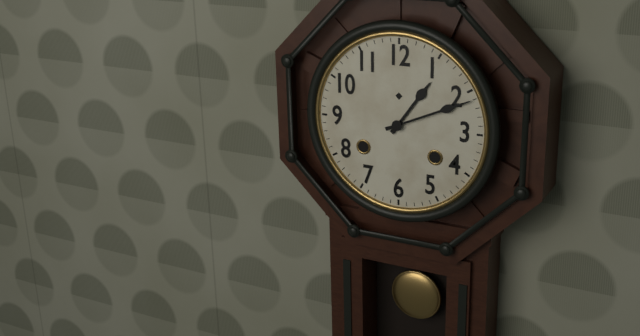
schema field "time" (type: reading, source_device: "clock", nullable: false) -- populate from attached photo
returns 1:11
